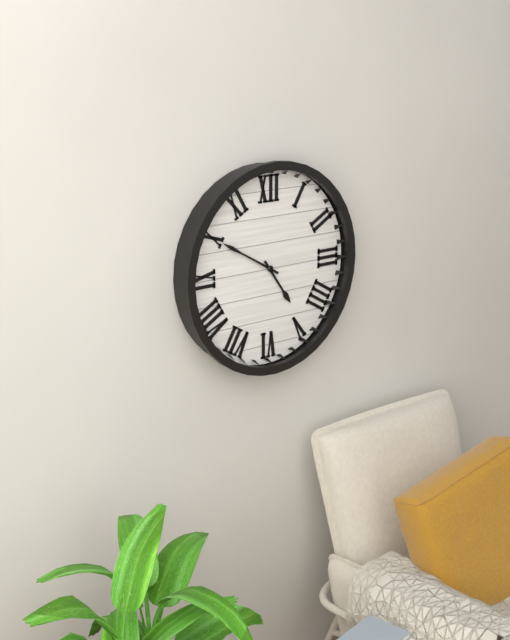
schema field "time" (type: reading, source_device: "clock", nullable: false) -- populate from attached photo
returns 4:50
